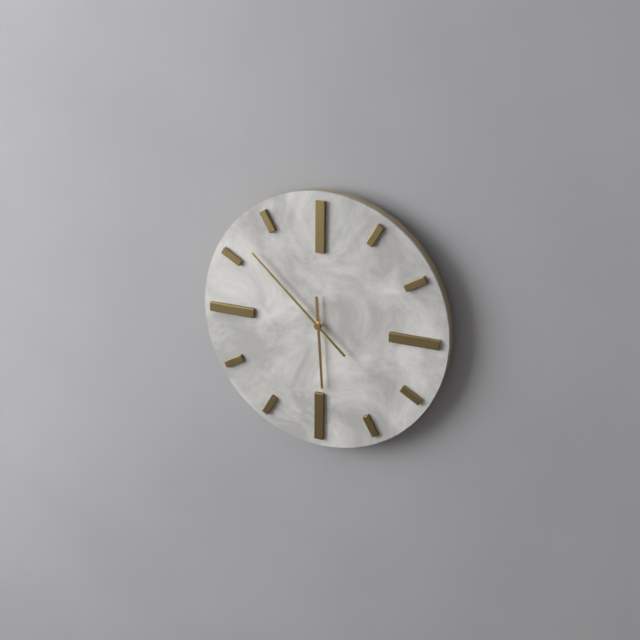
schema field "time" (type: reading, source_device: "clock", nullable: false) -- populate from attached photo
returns 5:52
